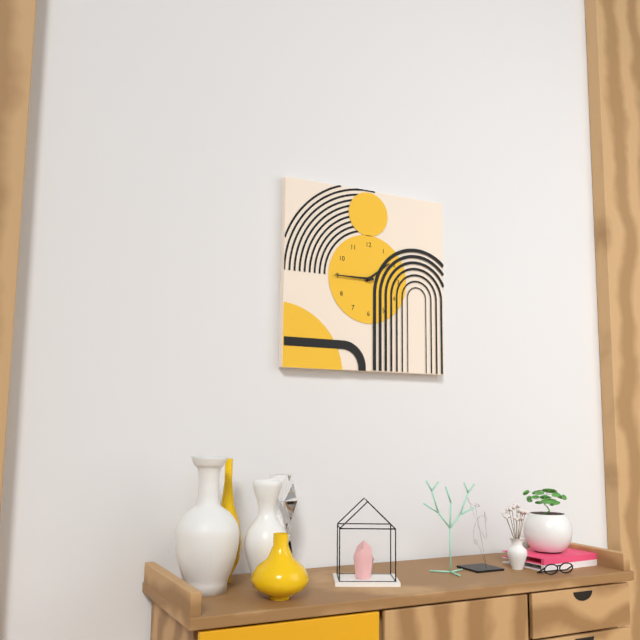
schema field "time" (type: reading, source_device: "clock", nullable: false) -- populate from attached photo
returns 1:45
